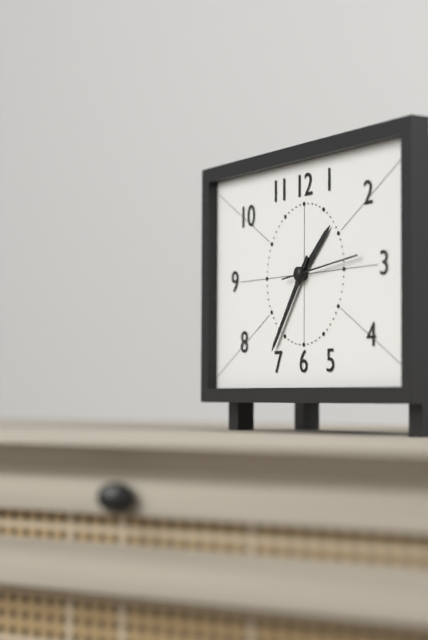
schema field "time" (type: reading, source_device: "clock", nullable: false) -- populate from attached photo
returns 1:36:14
